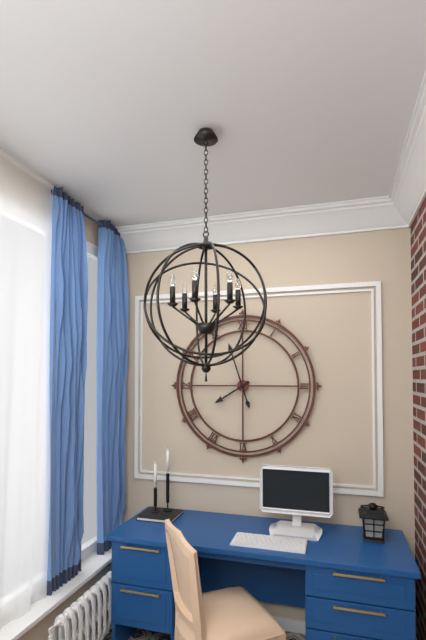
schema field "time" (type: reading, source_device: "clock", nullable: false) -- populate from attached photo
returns 7:57
